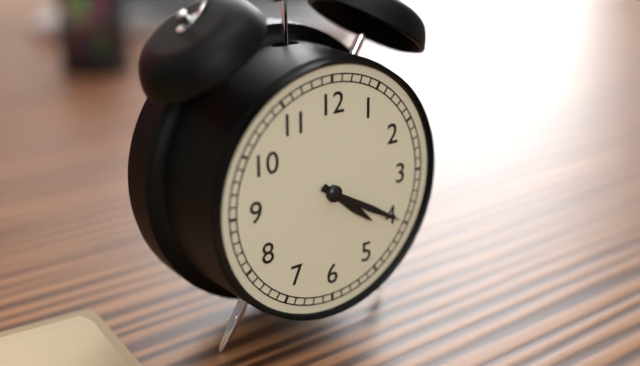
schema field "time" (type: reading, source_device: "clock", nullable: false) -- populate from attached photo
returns 4:20
